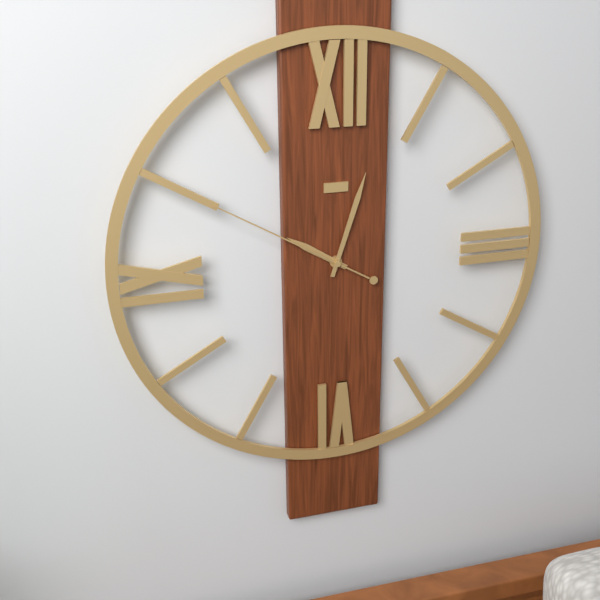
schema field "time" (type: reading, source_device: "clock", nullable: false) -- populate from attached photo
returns 10:03:50
